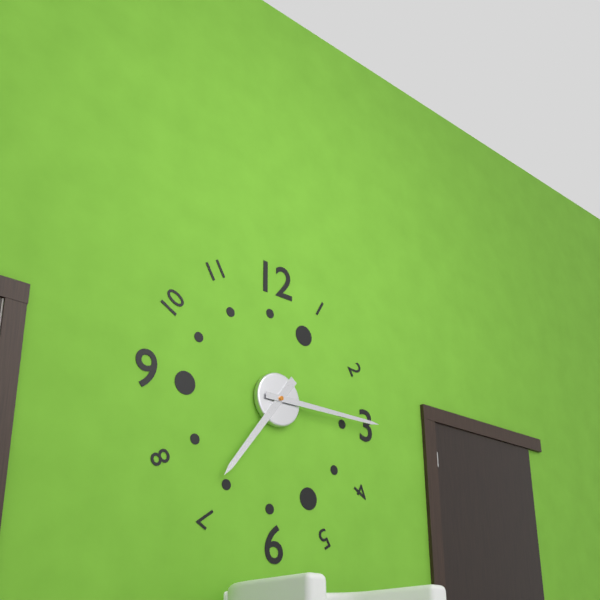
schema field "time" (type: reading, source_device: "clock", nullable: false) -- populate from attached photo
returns 7:15
